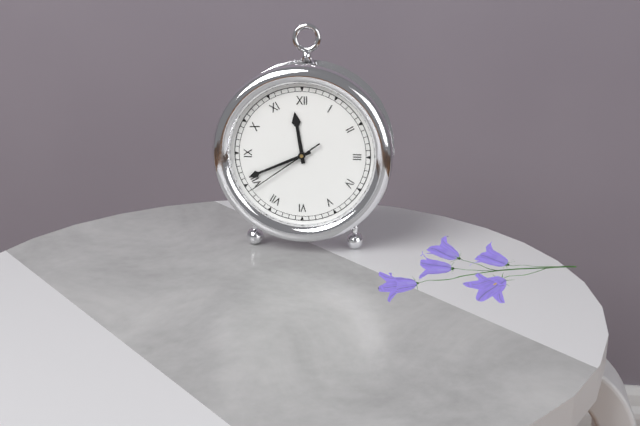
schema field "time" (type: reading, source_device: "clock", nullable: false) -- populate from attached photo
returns 11:41:39
